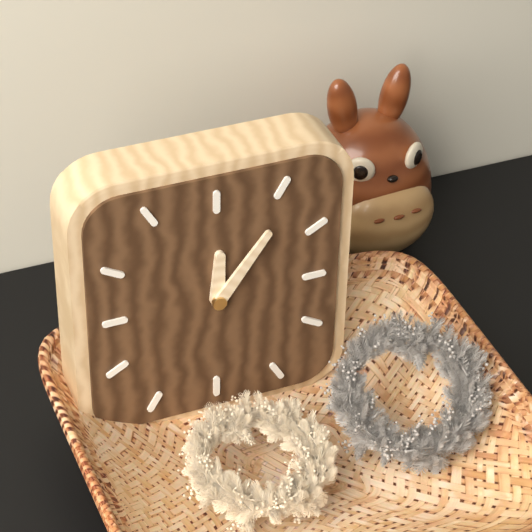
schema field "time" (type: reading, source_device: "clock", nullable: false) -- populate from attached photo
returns 12:06
